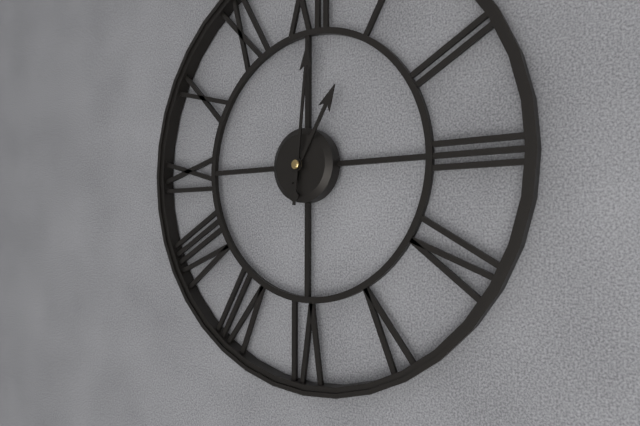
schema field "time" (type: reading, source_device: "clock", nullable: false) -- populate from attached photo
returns 1:01
